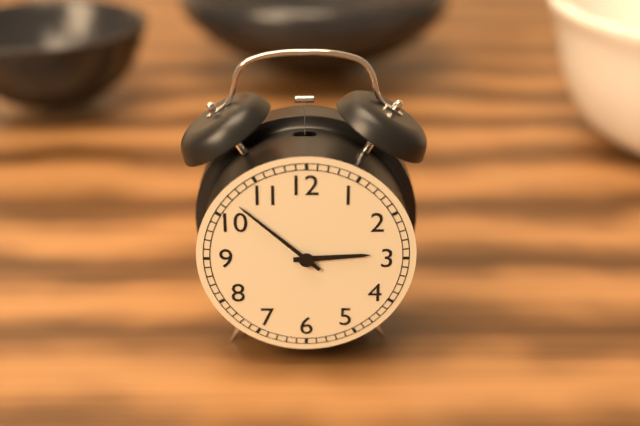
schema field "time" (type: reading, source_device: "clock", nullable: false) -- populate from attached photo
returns 2:52
